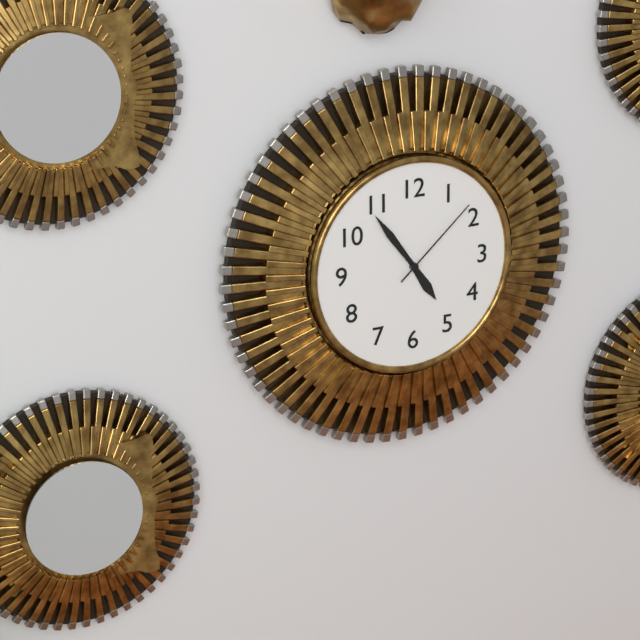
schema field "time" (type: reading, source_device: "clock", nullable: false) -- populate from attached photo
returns 4:54:08
